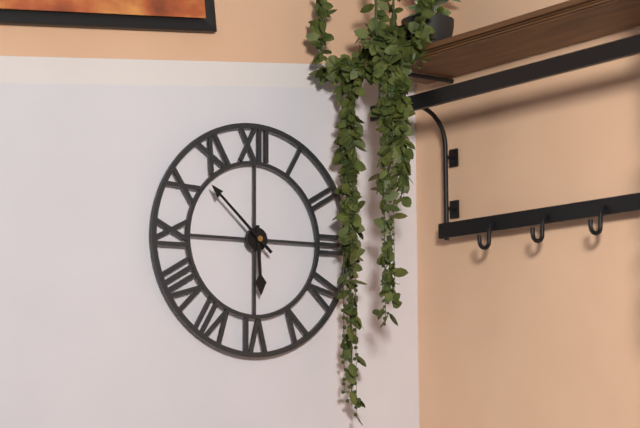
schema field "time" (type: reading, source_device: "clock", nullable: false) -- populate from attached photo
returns 5:52
